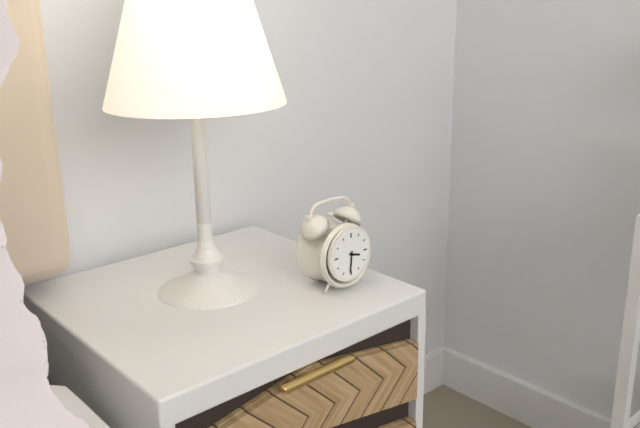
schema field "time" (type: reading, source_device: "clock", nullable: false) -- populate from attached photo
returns 3:31
